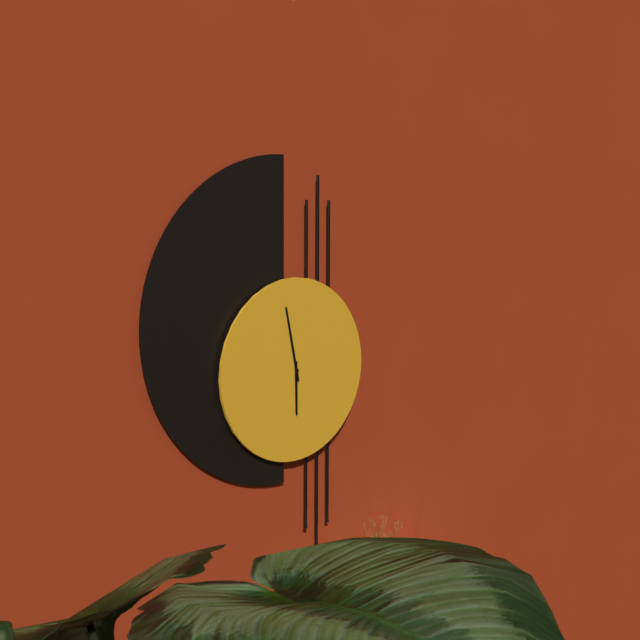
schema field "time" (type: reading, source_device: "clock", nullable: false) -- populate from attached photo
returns 5:58
